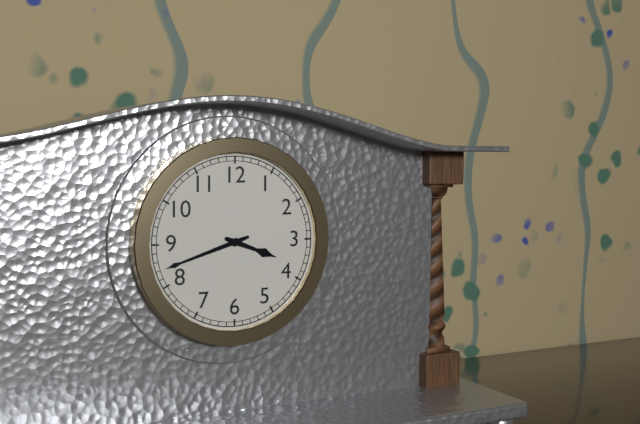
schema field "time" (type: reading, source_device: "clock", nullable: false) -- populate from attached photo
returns 3:42
